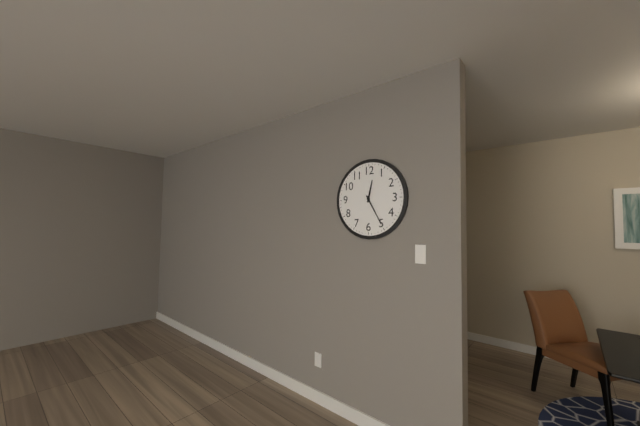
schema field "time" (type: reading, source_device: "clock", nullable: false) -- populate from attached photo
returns 12:25
